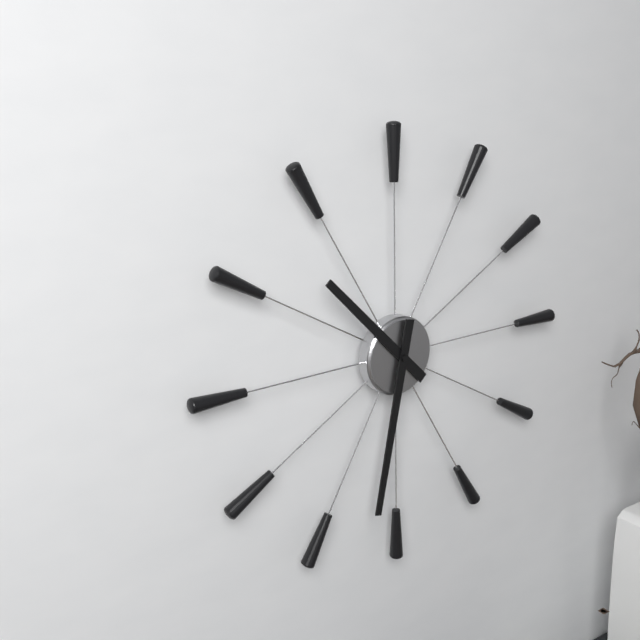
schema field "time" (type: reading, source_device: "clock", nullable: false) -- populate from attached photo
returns 10:32
